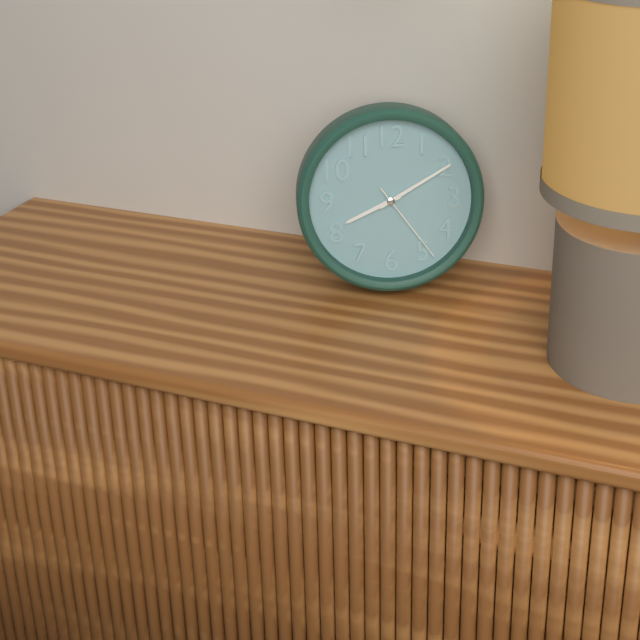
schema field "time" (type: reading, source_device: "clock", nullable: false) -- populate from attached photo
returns 8:10:24
